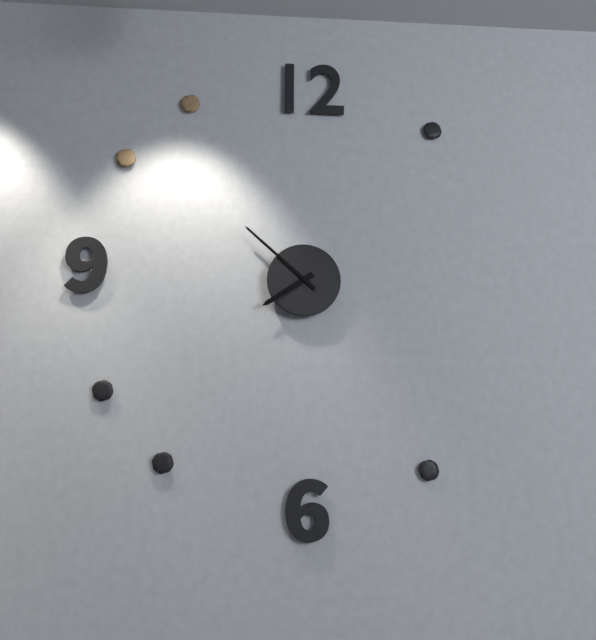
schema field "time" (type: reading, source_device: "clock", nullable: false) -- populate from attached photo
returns 7:52
